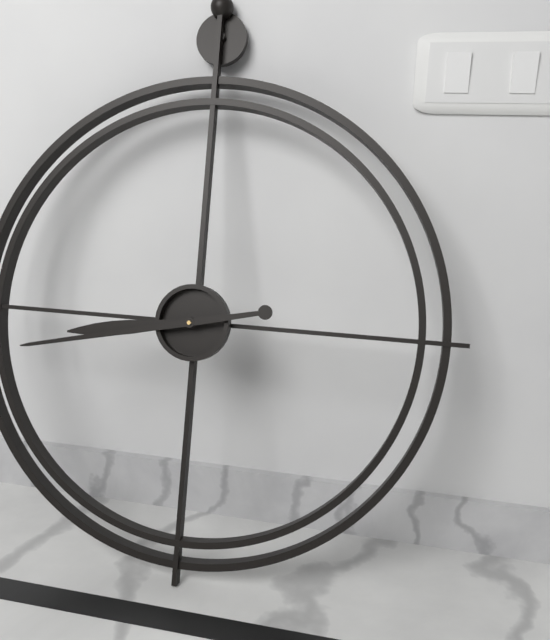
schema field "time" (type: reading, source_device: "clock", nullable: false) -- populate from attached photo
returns 8:43
